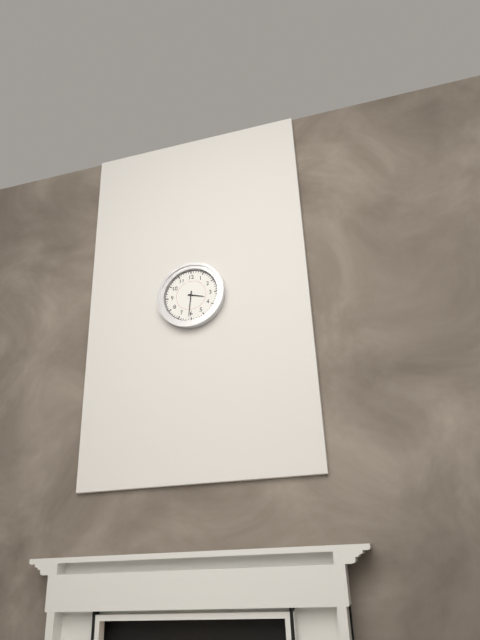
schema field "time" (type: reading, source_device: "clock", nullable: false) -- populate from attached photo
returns 3:31
